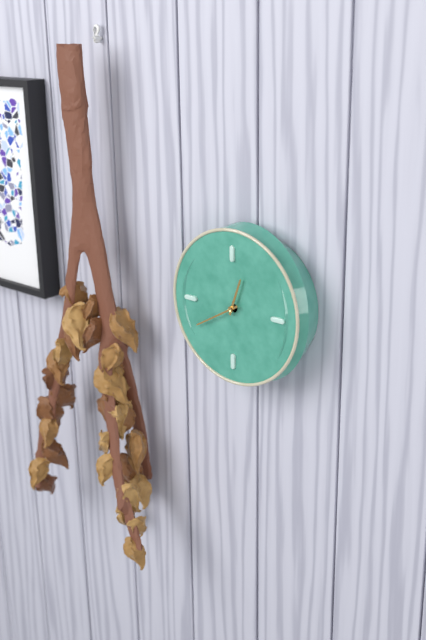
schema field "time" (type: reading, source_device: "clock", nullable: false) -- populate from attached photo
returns 12:40
